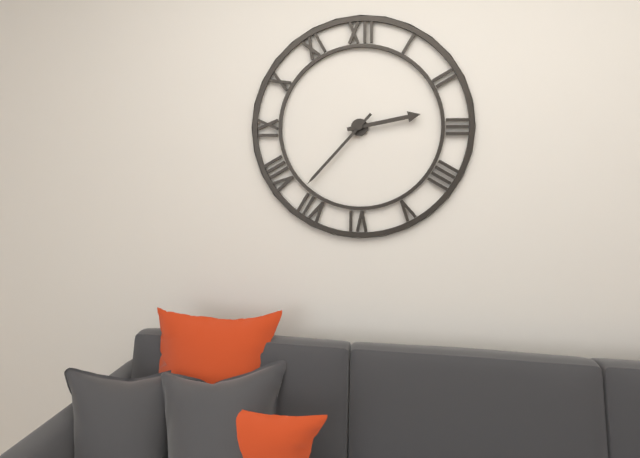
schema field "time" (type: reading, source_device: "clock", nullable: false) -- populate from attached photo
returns 2:37
